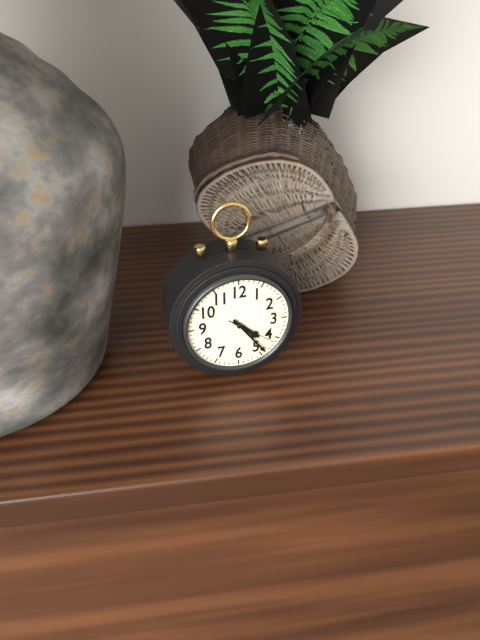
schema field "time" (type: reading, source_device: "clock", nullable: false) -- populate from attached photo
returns 4:24
